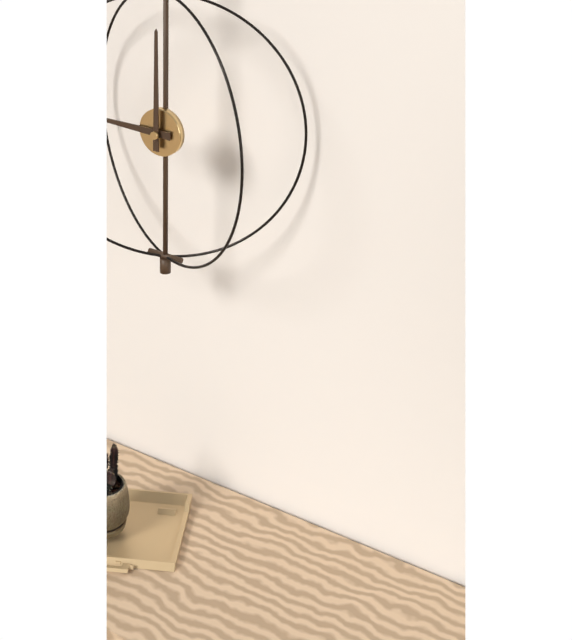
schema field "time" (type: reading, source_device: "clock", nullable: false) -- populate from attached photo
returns 9:00
